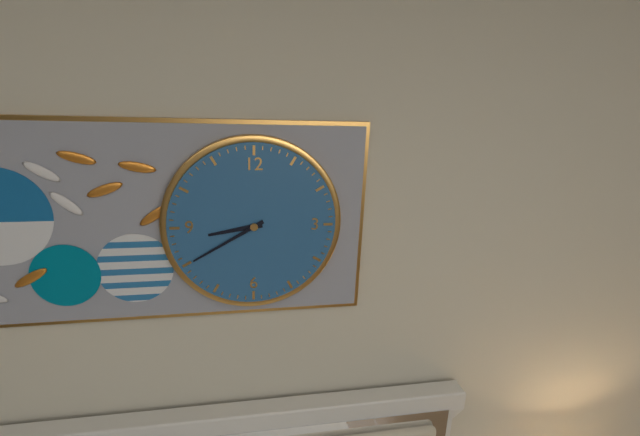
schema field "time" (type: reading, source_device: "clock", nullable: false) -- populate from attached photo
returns 8:40
